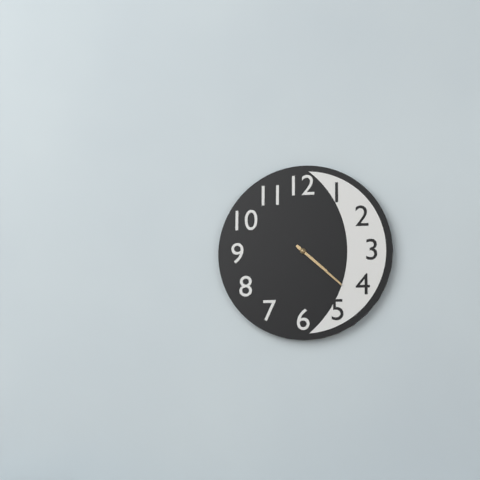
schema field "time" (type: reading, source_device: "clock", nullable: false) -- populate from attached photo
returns 4:22
